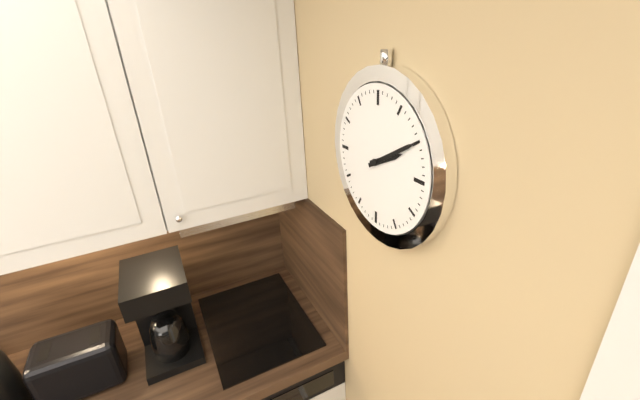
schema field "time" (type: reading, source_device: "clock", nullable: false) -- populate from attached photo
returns 2:10
